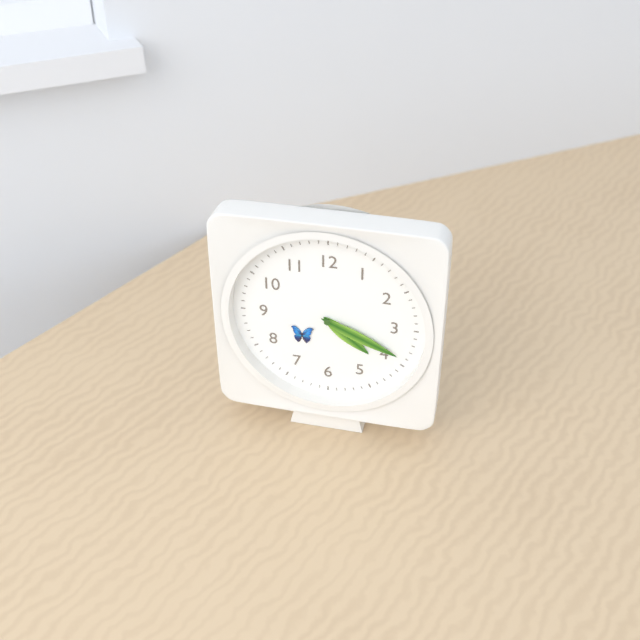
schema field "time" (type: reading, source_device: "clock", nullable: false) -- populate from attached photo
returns 4:19
